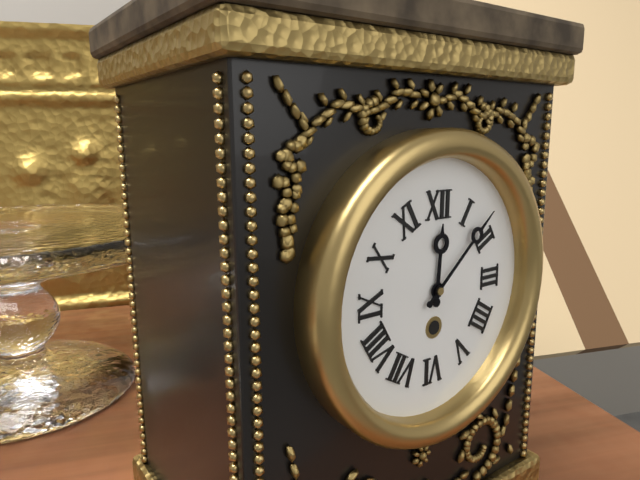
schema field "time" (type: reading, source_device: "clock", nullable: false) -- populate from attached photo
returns 12:08
